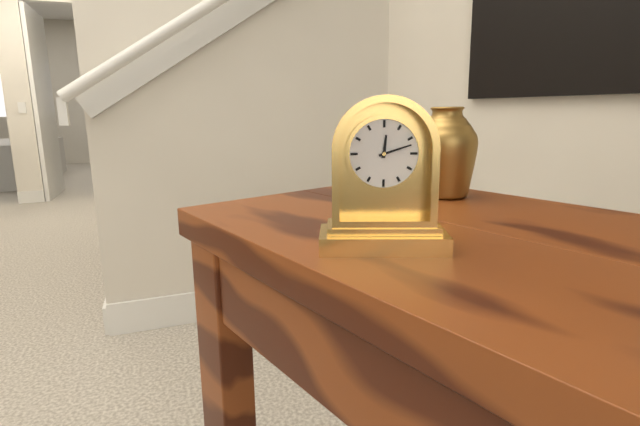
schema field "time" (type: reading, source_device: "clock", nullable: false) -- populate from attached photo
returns 12:12
